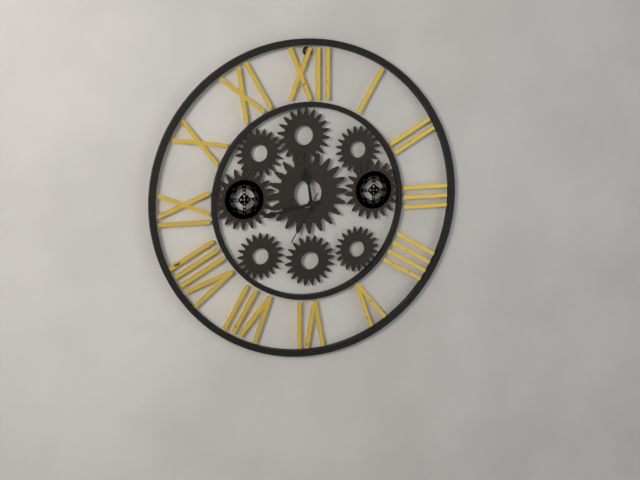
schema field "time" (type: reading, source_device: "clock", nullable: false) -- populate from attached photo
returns 11:43:35
